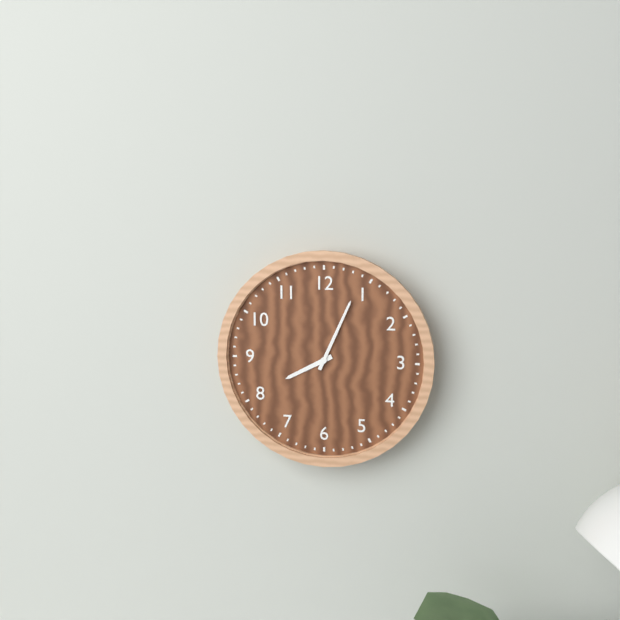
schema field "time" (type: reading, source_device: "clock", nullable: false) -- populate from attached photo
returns 8:04
